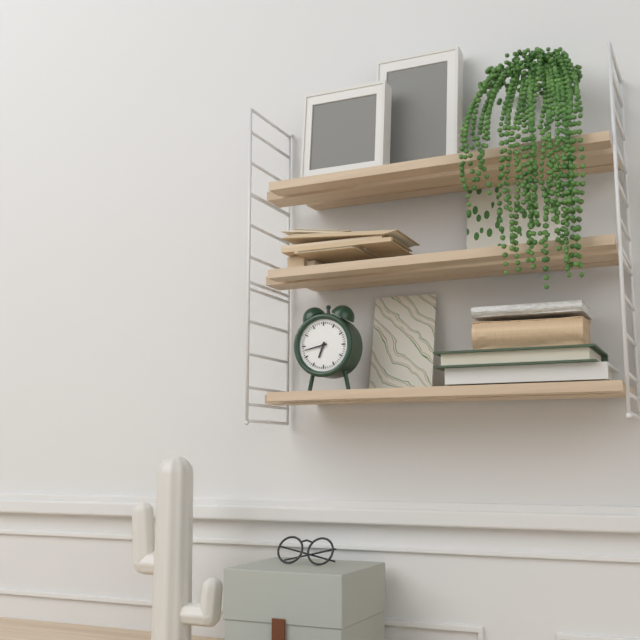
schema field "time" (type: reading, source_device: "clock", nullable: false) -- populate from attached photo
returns 6:43
